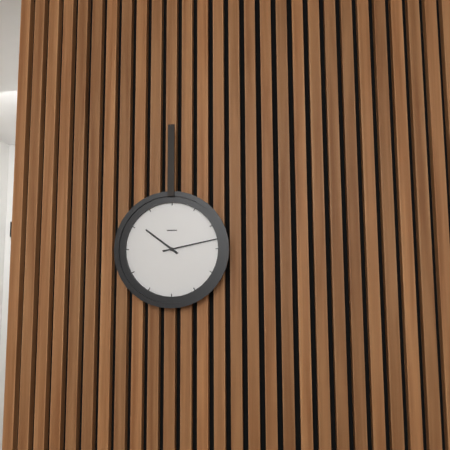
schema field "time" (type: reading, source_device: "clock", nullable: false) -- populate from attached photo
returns 10:13
